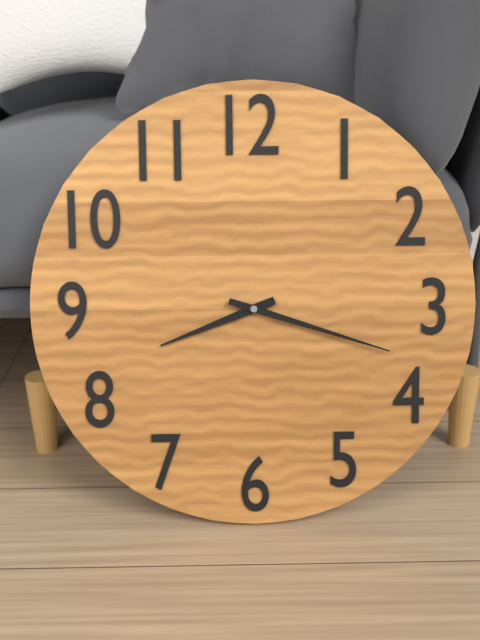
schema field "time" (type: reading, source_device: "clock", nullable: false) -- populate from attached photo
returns 8:18
